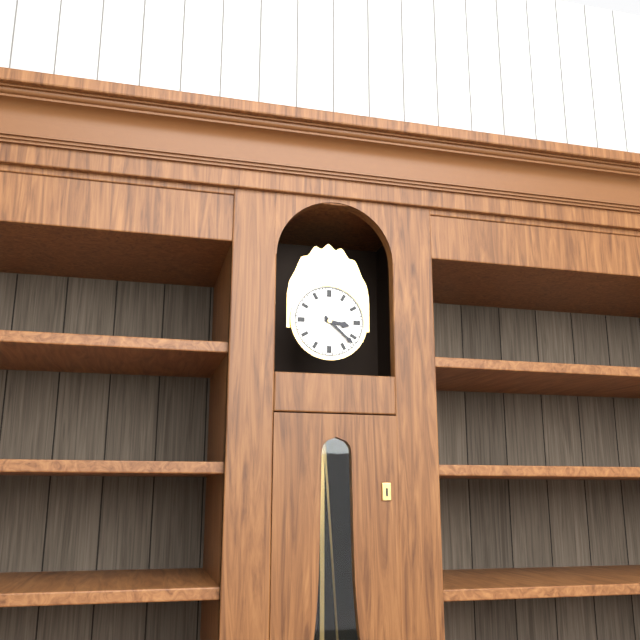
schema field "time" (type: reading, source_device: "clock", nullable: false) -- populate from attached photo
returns 3:22
